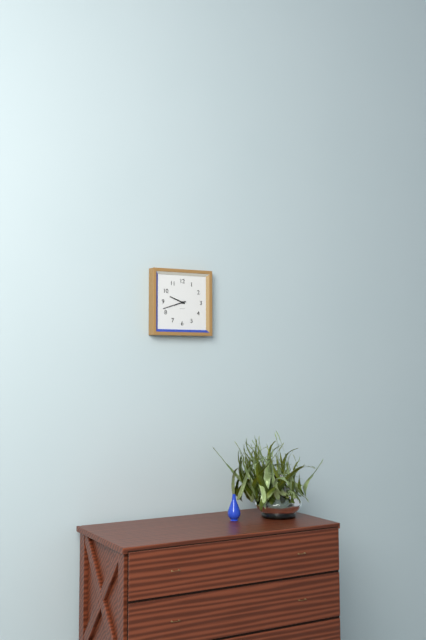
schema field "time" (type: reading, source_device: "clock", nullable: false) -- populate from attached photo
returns 9:42
